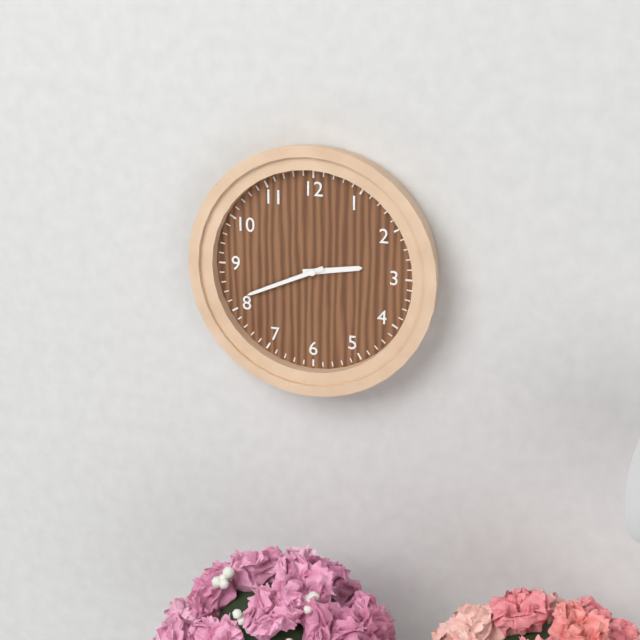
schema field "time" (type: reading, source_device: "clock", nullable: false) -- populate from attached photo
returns 2:41
